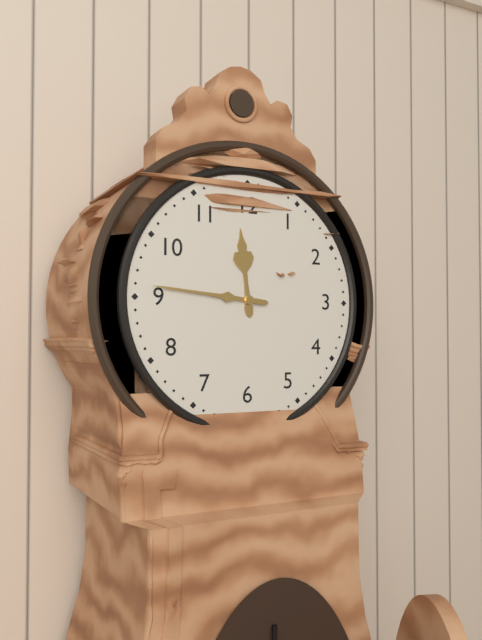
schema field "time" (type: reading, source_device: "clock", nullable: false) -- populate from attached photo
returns 11:46
